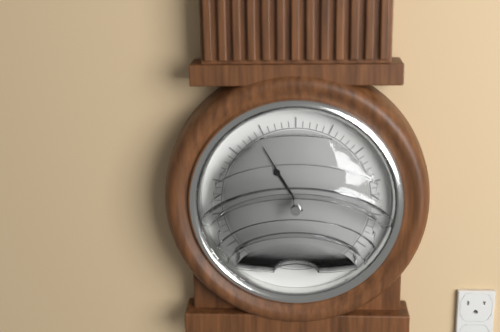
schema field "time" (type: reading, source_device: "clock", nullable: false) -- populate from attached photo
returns 10:55
